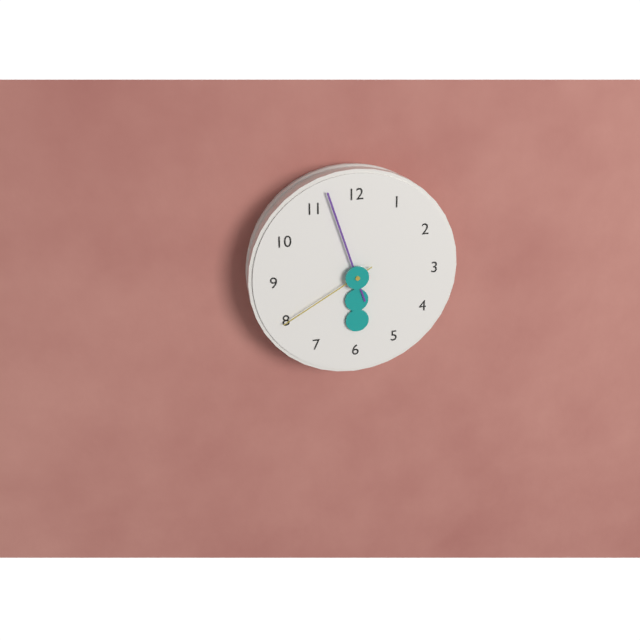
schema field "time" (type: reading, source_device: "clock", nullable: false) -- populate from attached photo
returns 5:57:40
